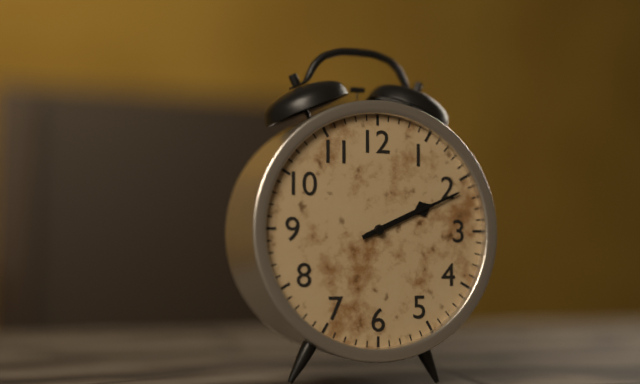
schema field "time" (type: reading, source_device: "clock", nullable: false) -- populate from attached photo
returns 2:11
